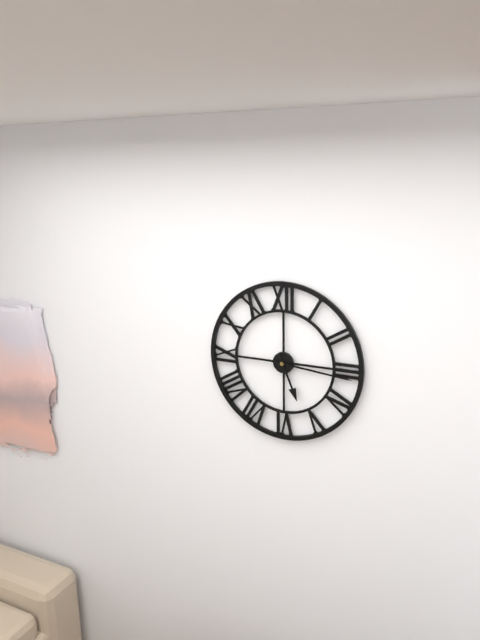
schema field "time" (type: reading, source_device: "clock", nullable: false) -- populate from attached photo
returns 5:16
